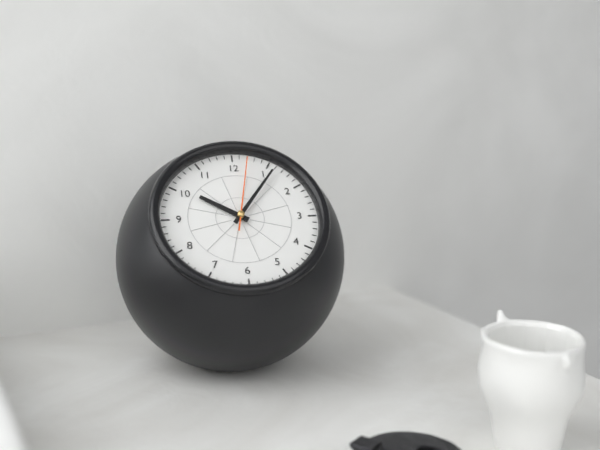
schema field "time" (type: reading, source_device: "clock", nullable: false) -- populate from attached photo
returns 10:06:02
